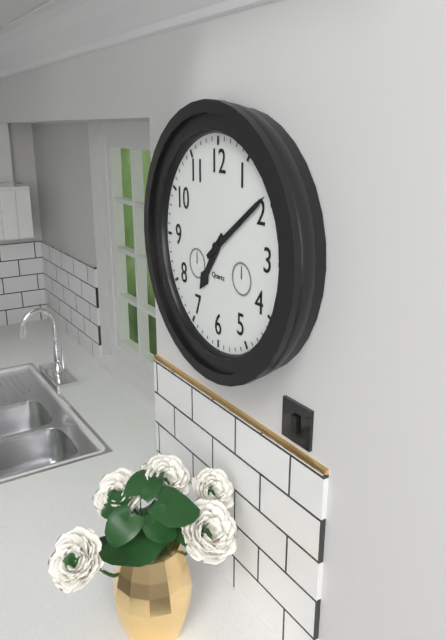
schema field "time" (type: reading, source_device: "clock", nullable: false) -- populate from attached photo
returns 7:09
